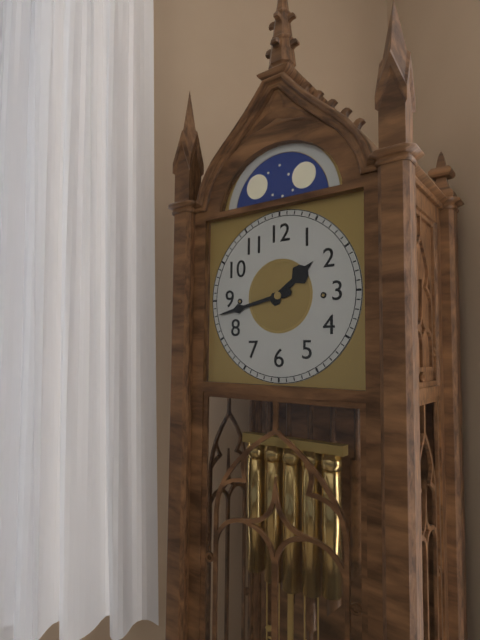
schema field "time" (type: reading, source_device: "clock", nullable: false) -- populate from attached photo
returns 1:43
